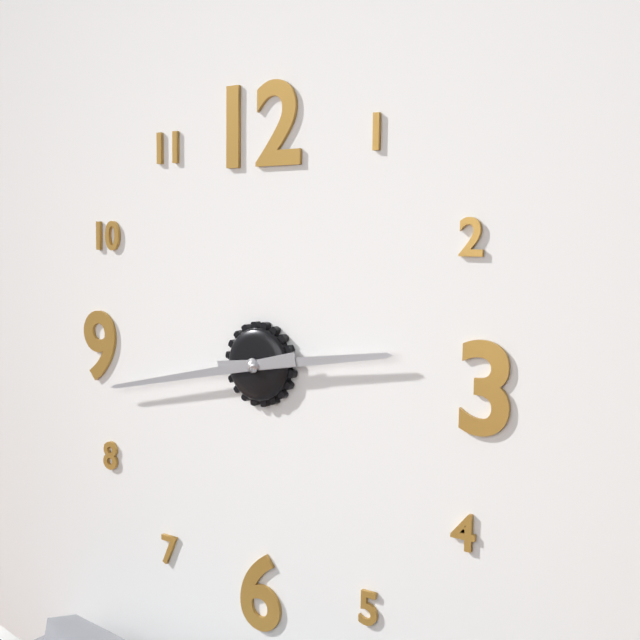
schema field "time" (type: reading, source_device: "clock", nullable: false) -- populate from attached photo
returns 2:43
